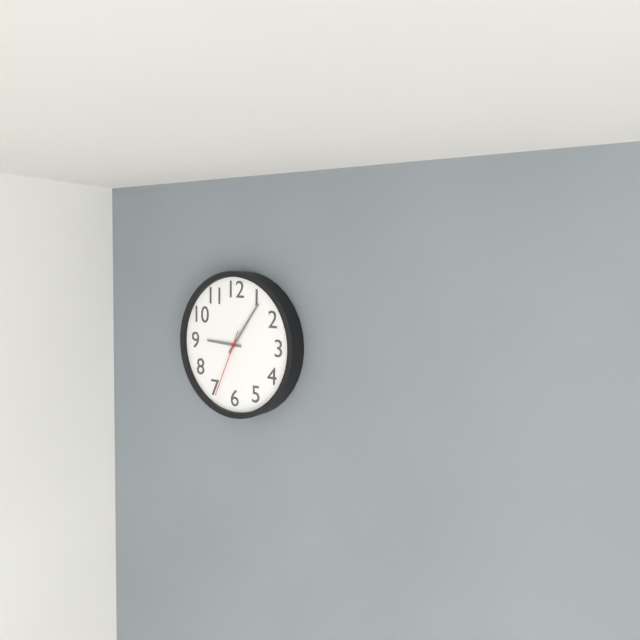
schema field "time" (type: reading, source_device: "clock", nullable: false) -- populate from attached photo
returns 9:06:34
